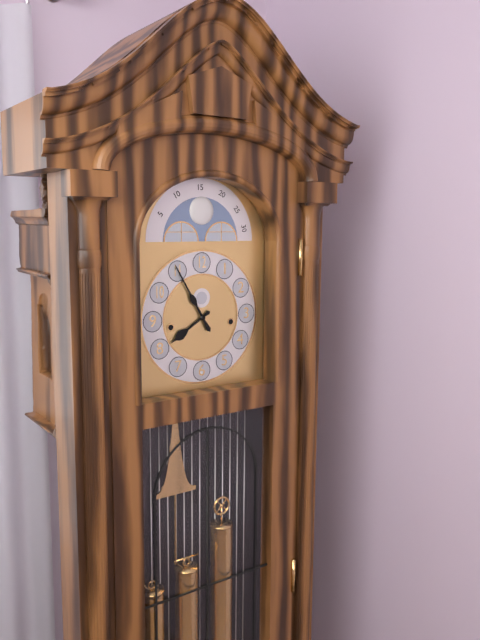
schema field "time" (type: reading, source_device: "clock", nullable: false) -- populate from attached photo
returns 7:55
